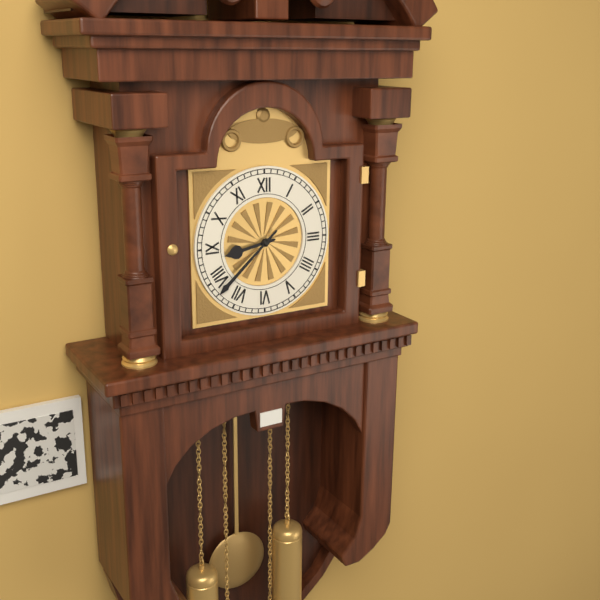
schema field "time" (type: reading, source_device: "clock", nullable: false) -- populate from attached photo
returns 8:38
